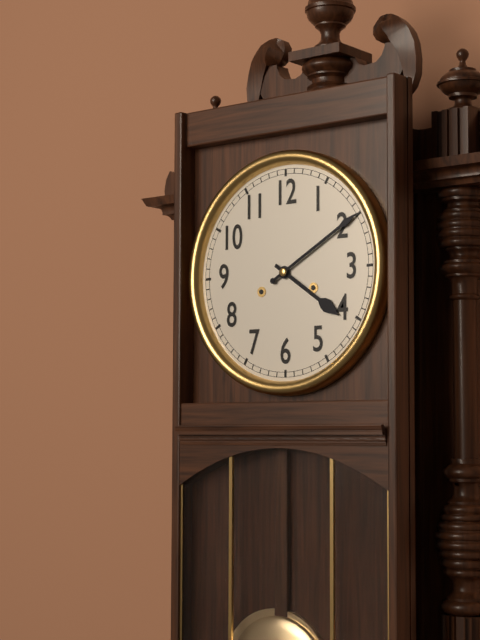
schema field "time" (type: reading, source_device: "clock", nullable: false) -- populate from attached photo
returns 4:10
